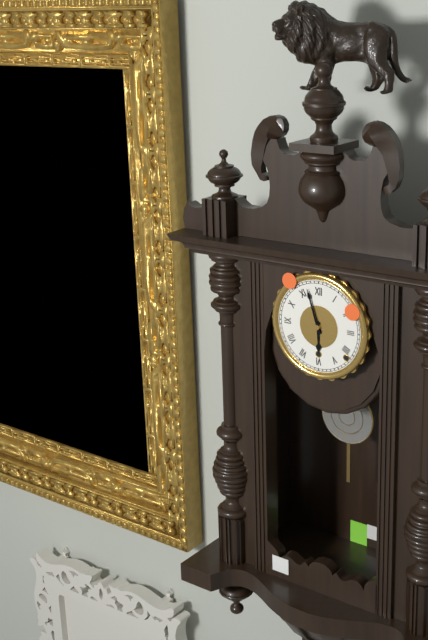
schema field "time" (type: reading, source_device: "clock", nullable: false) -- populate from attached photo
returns 5:57
